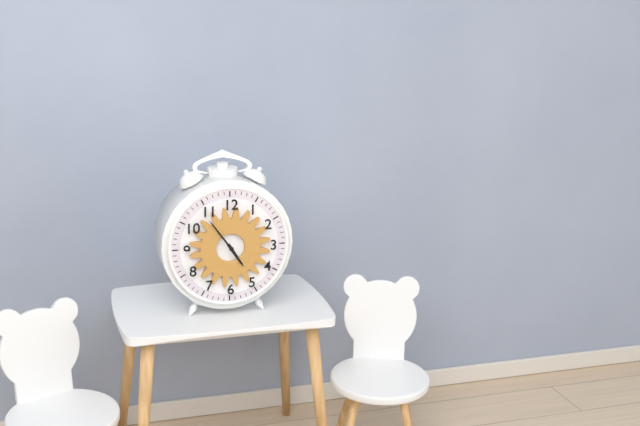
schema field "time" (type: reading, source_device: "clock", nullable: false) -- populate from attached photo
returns 4:54
